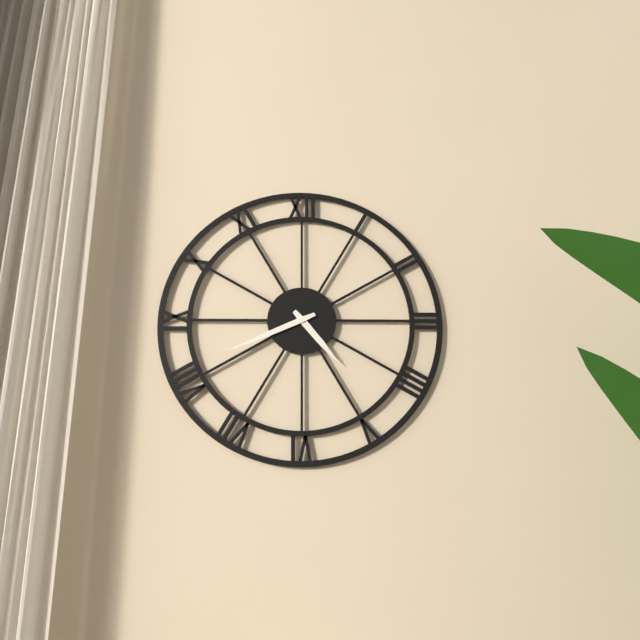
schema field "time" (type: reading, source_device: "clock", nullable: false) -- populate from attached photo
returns 4:41
